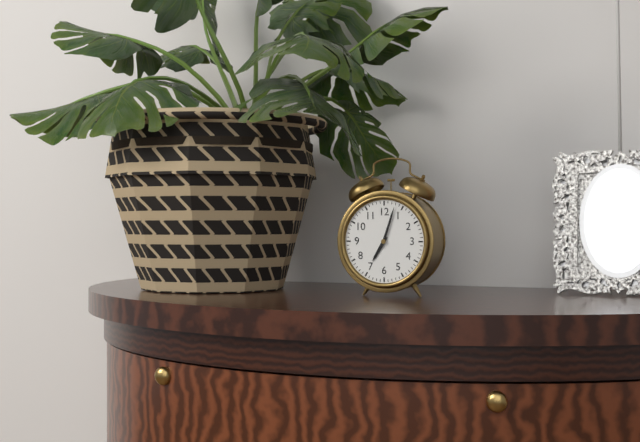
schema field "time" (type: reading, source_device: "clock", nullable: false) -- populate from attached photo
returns 7:03
